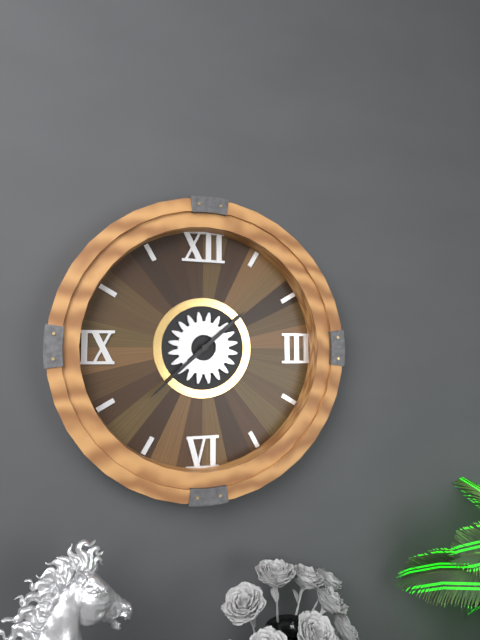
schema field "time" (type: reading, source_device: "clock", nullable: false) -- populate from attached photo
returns 1:38
